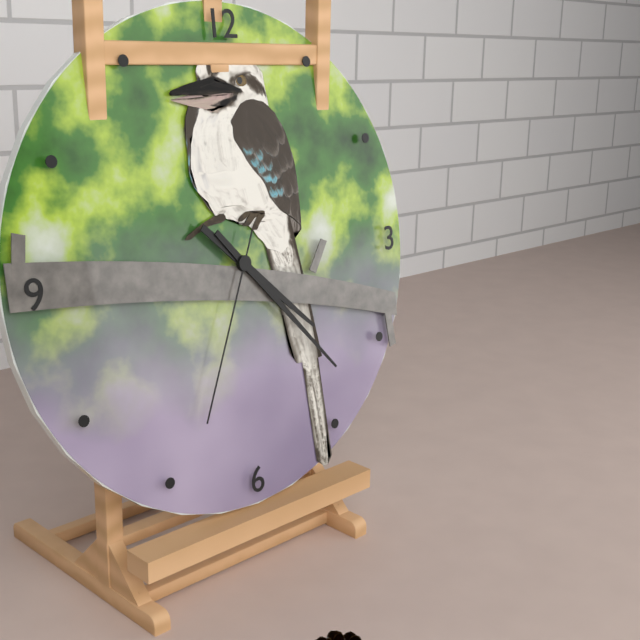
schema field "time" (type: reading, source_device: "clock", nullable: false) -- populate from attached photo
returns 4:23:34
